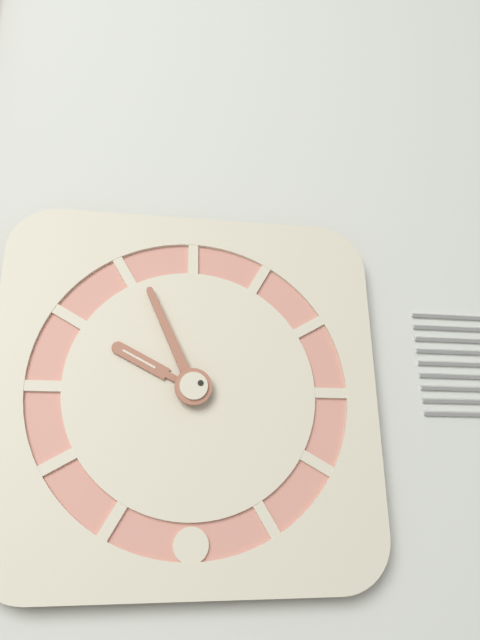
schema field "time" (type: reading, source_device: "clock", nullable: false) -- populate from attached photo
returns 9:56
